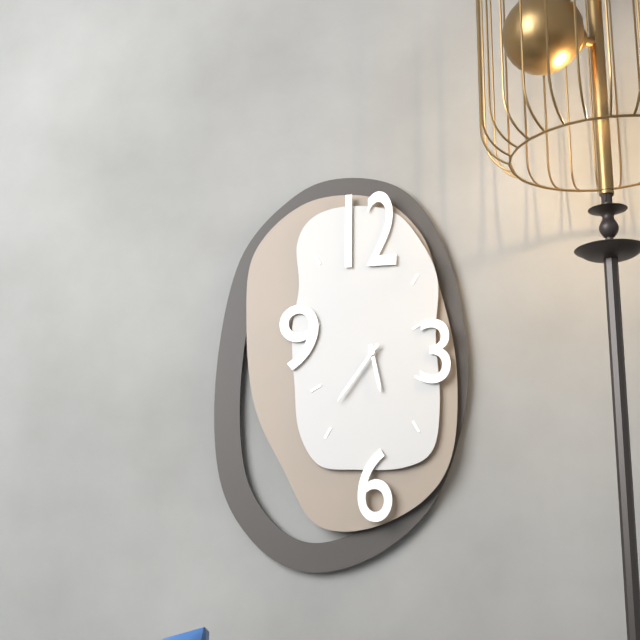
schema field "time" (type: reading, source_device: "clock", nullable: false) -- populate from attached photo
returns 5:36
